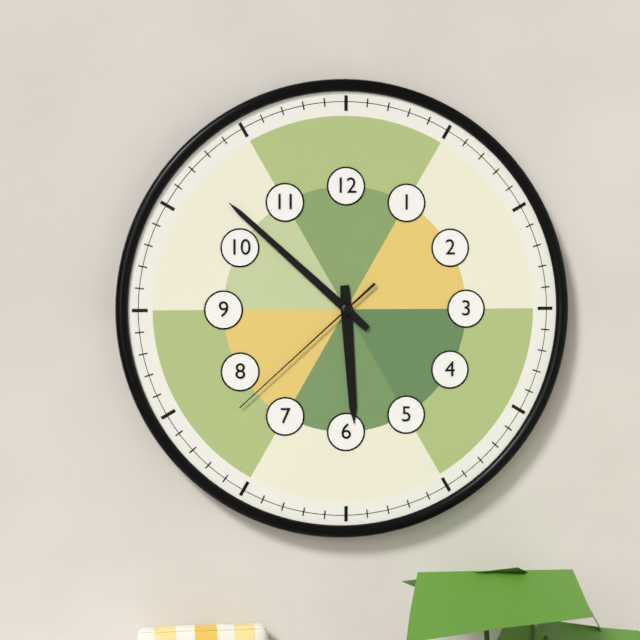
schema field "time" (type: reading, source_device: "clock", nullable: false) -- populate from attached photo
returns 5:52:38
